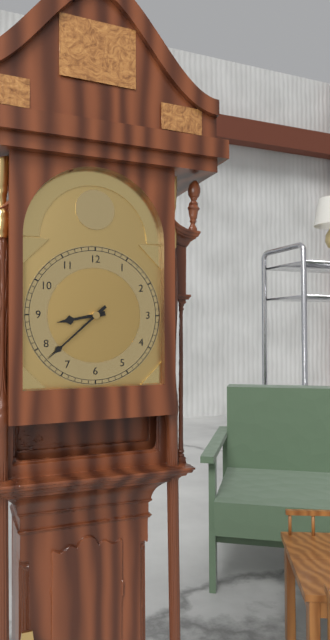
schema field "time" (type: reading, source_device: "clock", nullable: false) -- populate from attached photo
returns 8:38
